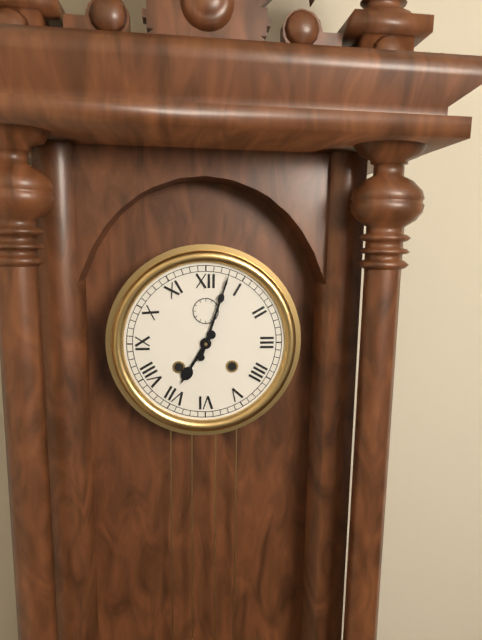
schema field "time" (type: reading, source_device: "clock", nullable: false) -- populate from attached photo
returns 7:03
